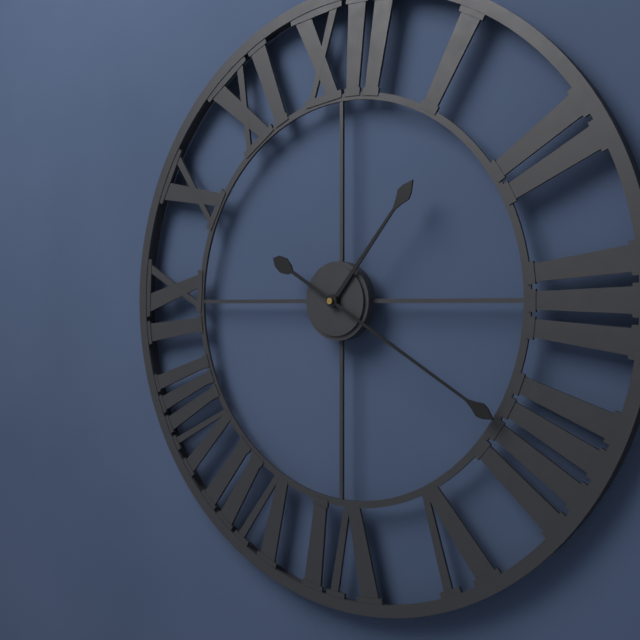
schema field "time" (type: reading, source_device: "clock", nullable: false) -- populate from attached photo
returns 1:20
